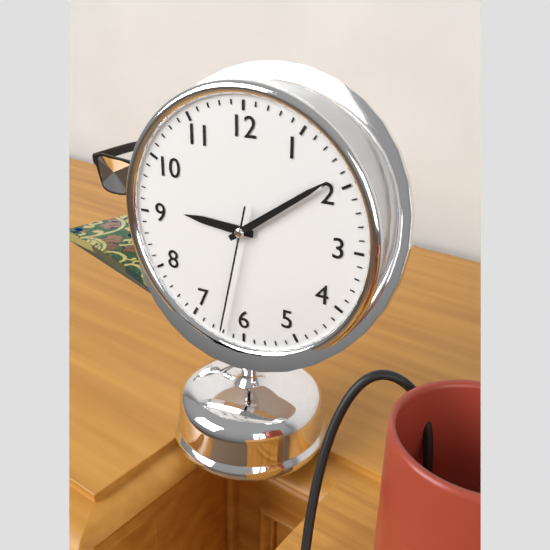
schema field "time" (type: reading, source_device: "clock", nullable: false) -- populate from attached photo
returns 9:09:32
